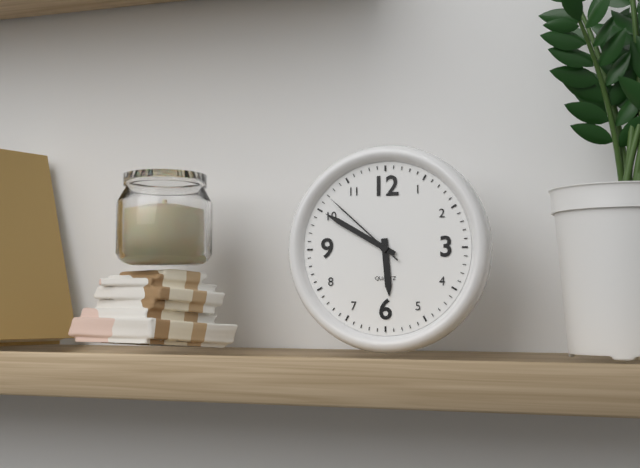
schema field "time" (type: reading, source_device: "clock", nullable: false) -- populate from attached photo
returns 5:50:52
